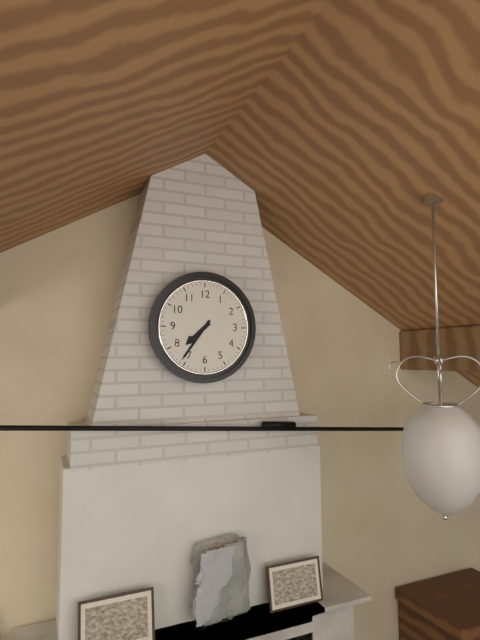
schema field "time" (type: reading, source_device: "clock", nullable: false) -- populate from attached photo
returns 7:36
